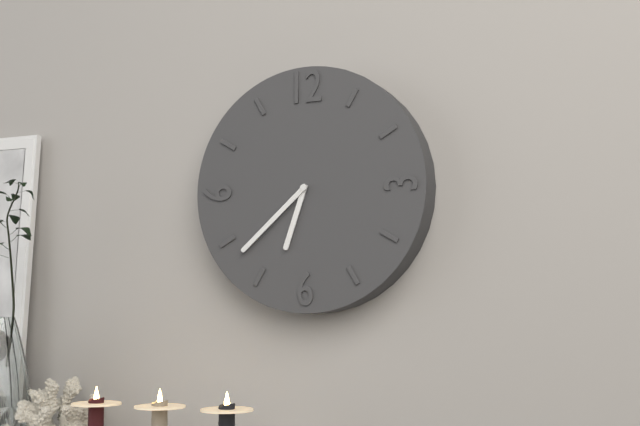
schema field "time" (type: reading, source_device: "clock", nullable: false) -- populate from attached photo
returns 6:38
